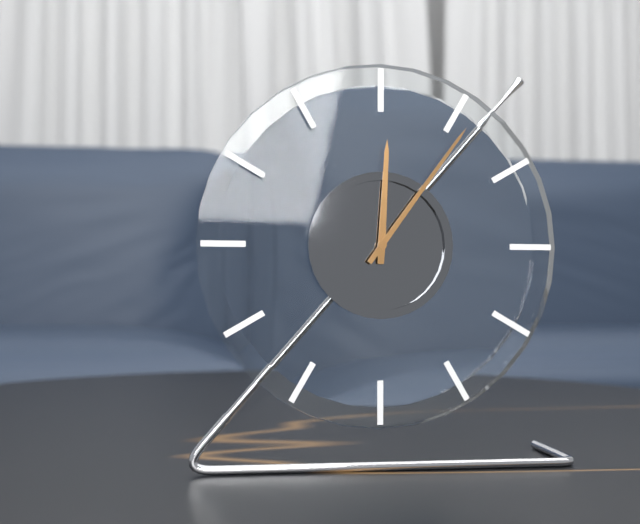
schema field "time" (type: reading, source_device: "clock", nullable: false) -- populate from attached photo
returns 12:06
